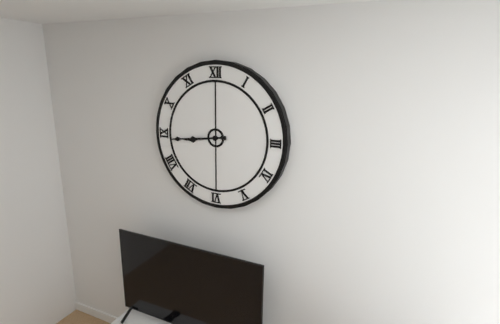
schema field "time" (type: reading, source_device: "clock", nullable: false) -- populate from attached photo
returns 8:44
